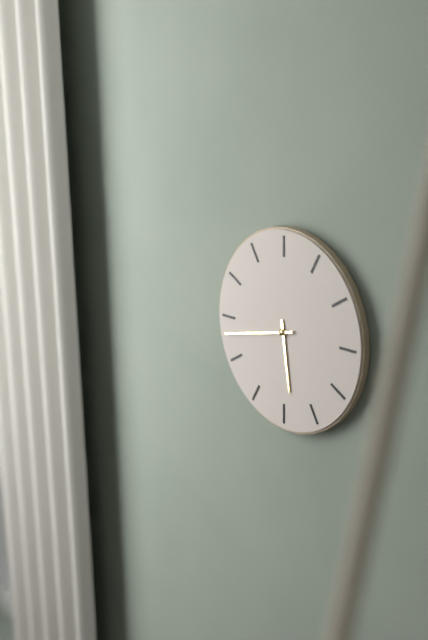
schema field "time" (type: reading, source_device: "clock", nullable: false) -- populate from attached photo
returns 5:43
